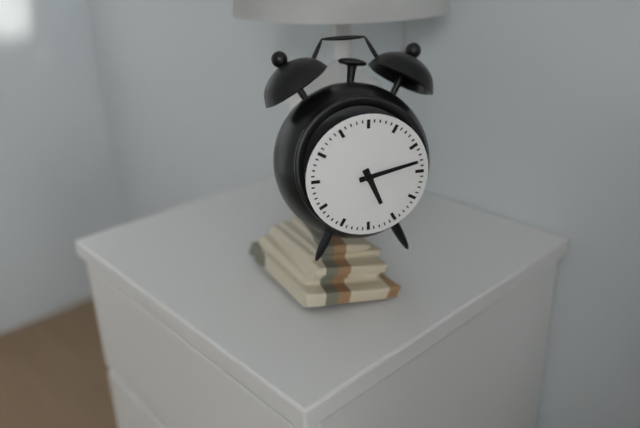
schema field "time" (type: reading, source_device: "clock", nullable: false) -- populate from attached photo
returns 5:13
